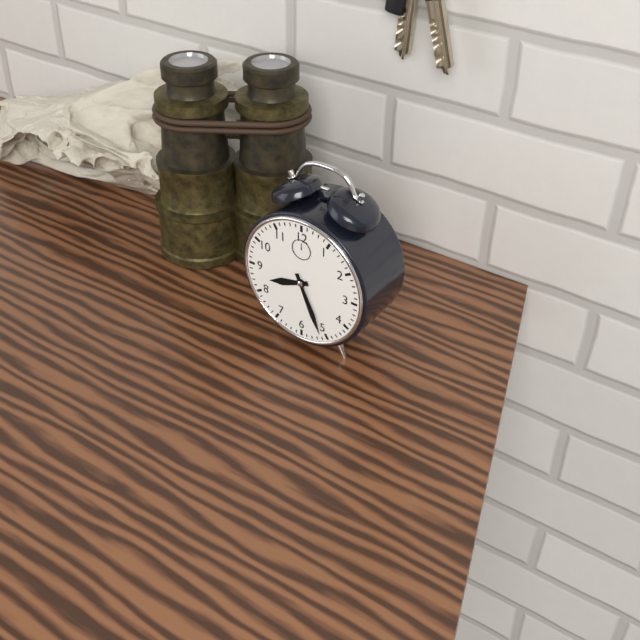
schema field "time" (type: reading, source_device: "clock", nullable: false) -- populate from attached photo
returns 8:26
